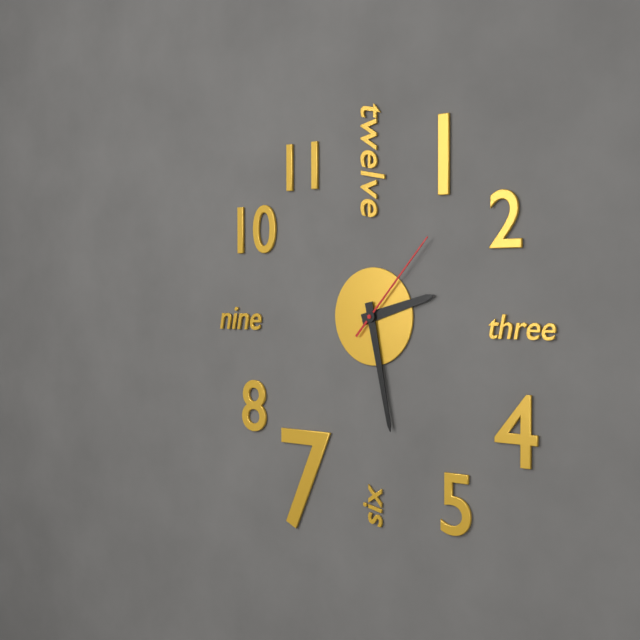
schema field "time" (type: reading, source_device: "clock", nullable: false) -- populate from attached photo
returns 2:28:07
